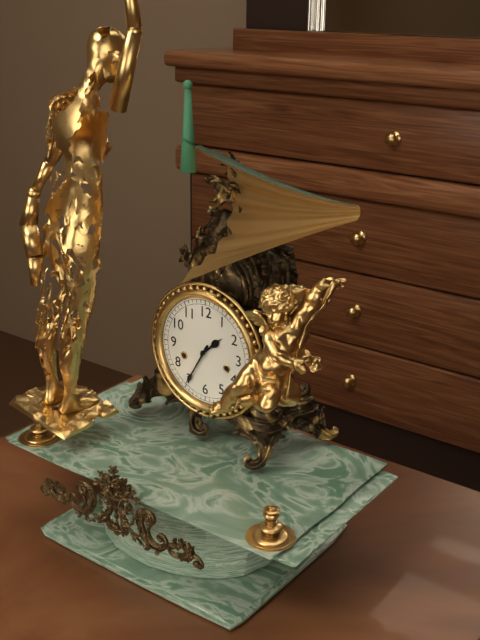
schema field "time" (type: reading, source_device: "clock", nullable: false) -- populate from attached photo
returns 1:35
